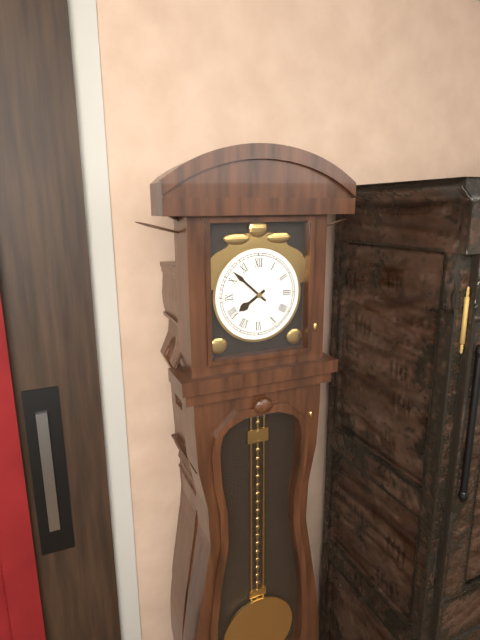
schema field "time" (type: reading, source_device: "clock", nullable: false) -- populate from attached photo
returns 7:52
